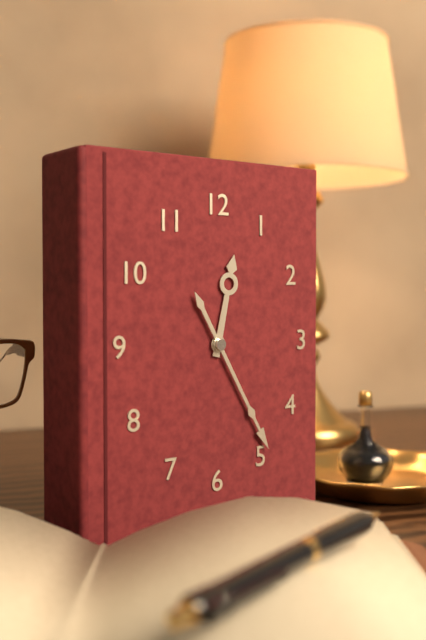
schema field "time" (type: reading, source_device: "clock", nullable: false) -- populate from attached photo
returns 12:25
